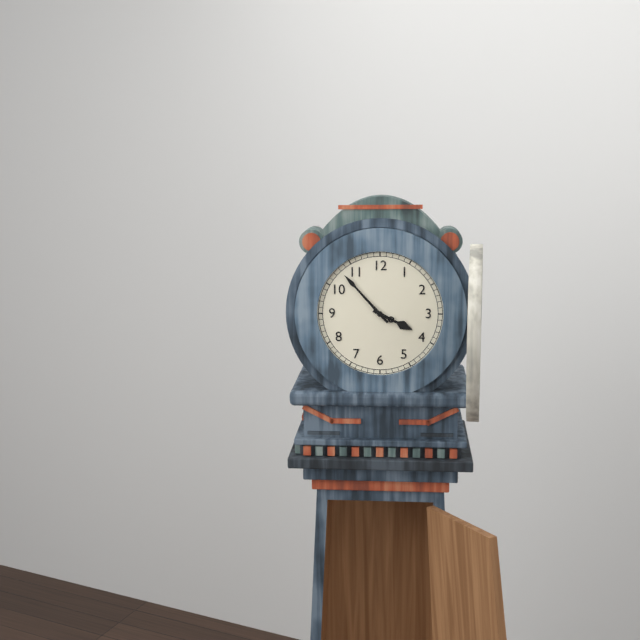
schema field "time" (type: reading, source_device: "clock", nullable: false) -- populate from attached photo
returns 3:53
